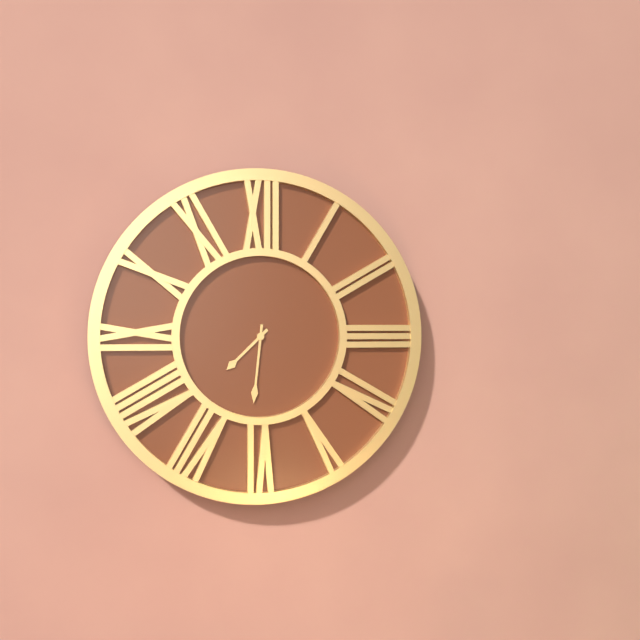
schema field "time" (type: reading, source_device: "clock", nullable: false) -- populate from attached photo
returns 7:31
